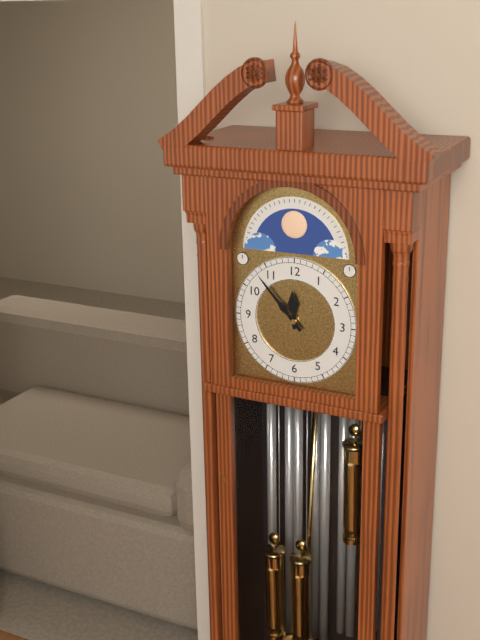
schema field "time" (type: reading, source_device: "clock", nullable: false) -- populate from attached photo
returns 11:53
